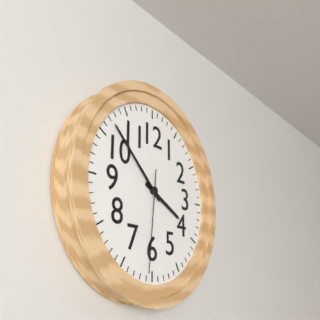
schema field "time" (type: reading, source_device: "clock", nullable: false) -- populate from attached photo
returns 3:52:31
